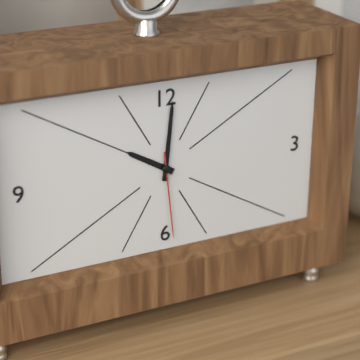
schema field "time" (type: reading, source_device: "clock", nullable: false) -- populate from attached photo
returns 10:01:29
